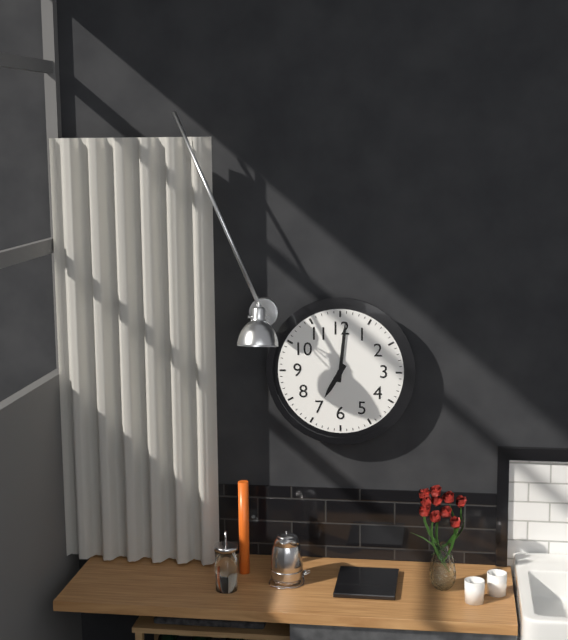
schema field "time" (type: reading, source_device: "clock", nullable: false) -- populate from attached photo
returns 7:01
